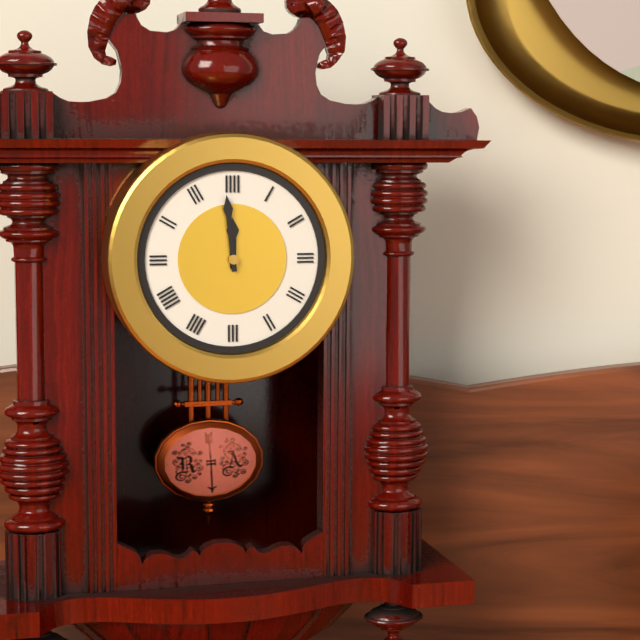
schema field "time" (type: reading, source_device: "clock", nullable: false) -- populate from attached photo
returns 11:59
